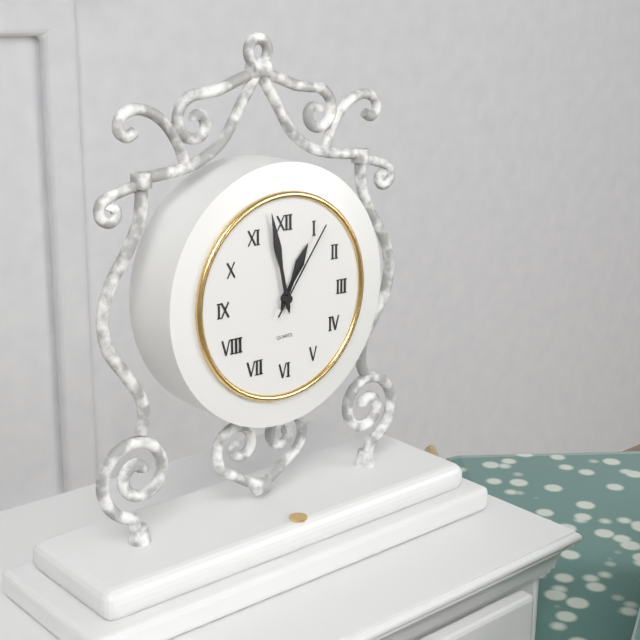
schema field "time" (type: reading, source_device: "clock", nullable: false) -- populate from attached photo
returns 12:58:06
